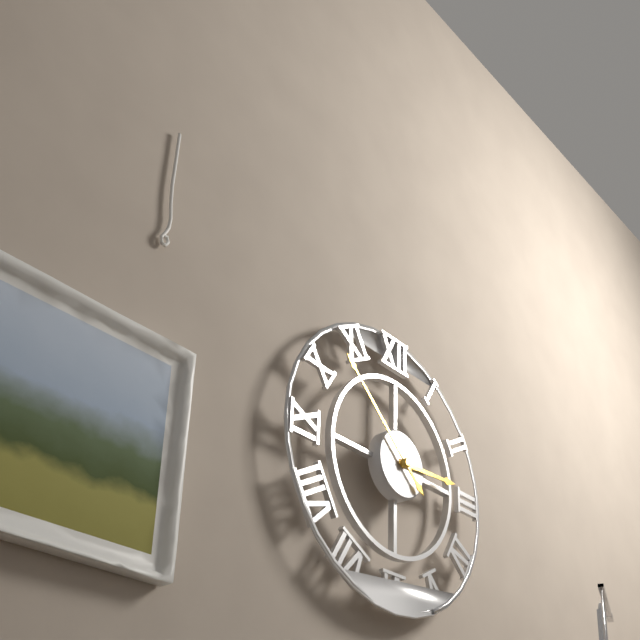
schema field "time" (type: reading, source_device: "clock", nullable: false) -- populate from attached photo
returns 2:52
